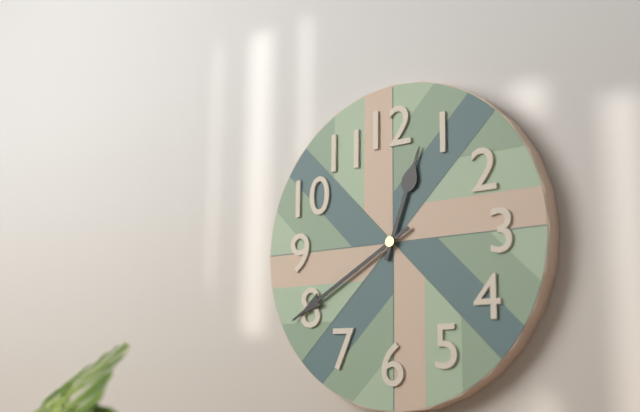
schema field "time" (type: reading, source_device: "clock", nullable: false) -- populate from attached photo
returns 12:40
